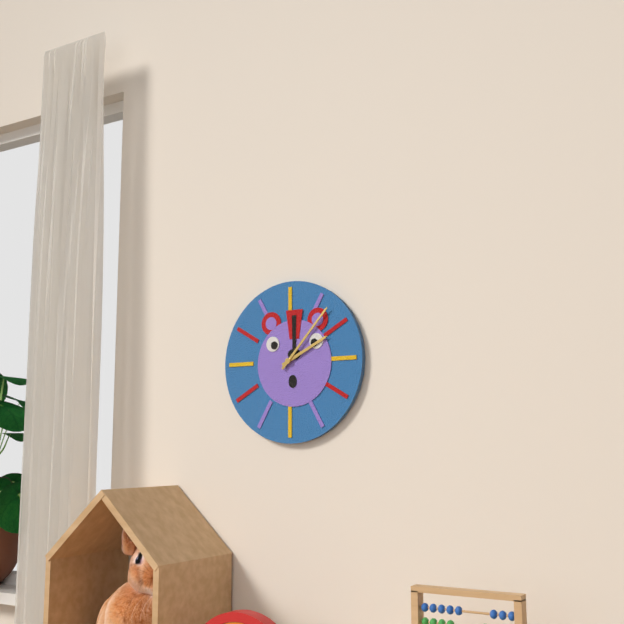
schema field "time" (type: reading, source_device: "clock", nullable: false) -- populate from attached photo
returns 2:07
